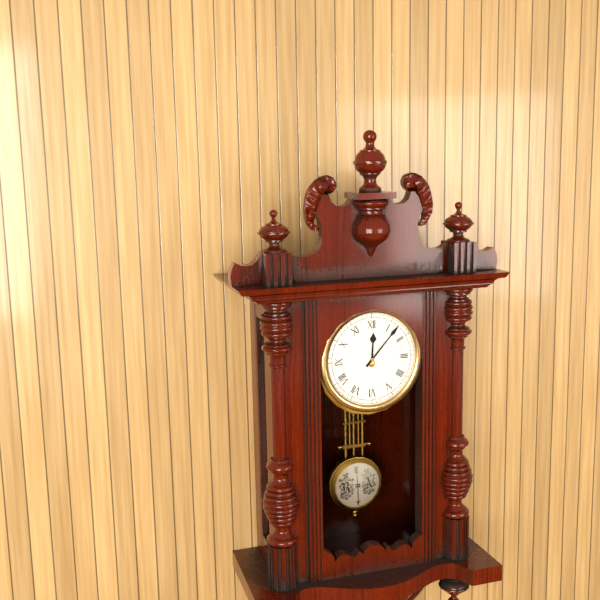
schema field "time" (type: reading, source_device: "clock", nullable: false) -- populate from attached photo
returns 12:07
